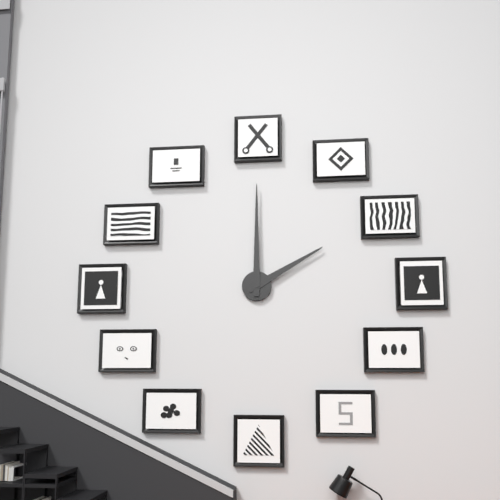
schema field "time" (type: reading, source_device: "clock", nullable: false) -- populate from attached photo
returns 2:00
